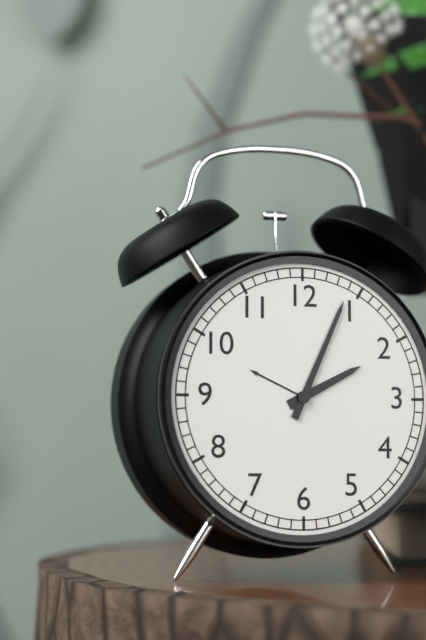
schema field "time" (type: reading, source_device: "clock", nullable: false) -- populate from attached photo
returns 2:04
